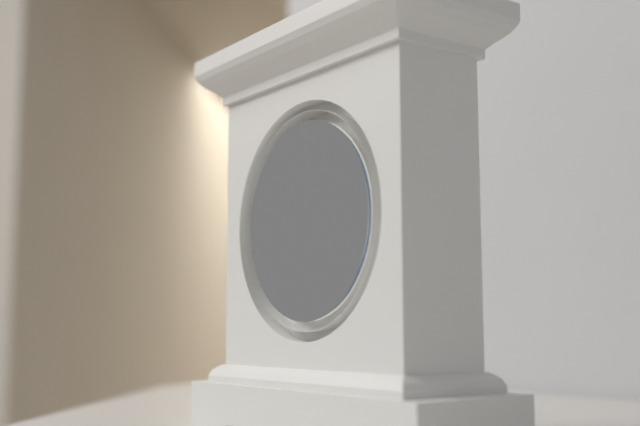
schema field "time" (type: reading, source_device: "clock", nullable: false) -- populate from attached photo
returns 1:09
